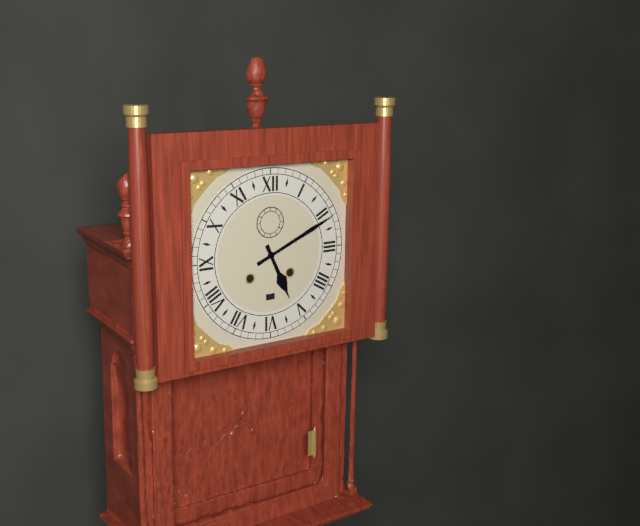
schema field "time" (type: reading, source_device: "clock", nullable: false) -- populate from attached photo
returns 5:11
